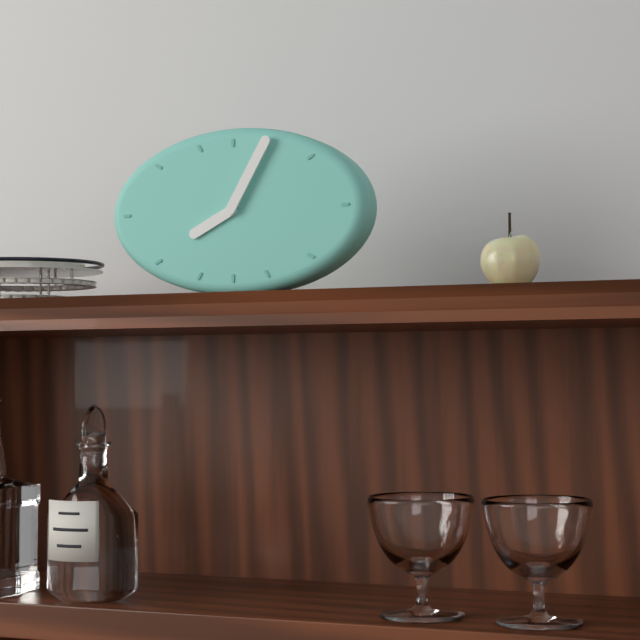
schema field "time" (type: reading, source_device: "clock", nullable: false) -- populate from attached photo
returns 8:05
